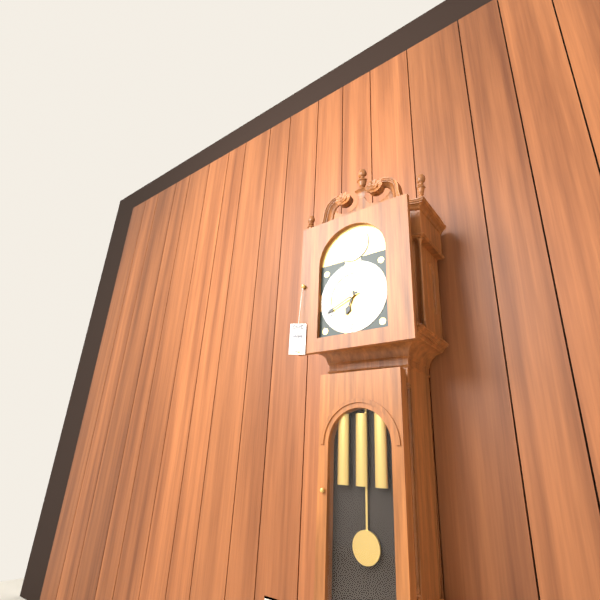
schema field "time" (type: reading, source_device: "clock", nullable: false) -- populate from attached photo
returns 6:41
